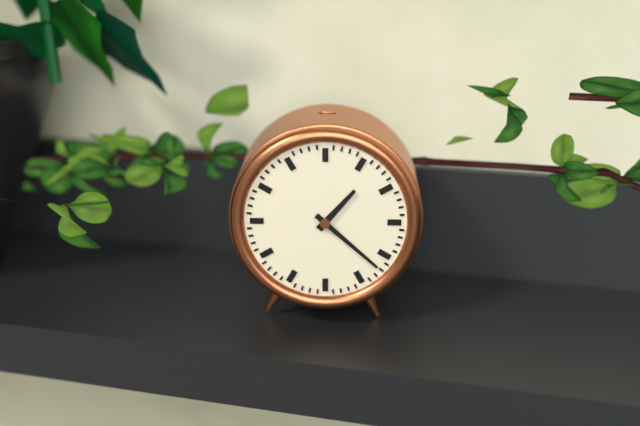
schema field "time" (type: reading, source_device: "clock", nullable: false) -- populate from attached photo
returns 1:22
